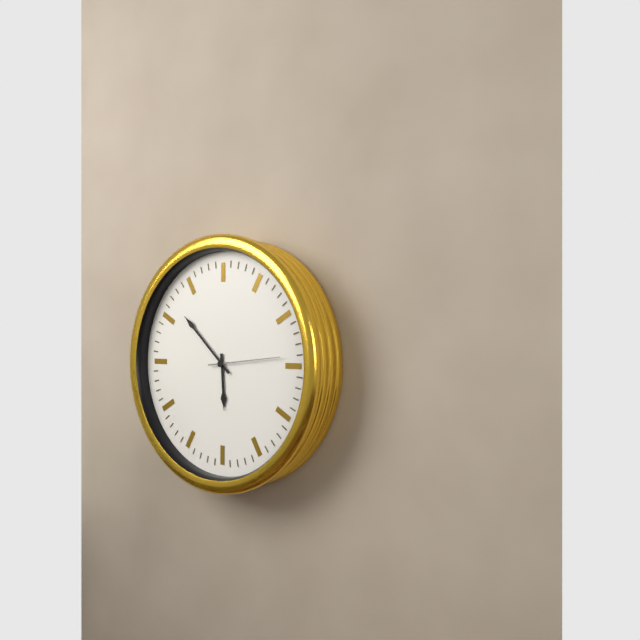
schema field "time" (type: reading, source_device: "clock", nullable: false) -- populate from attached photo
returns 5:52
